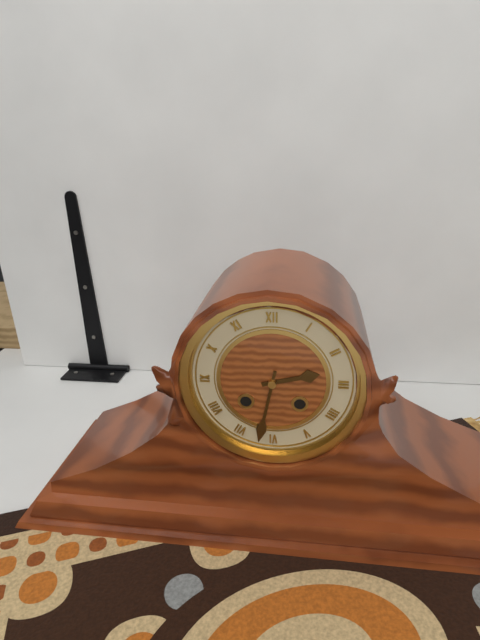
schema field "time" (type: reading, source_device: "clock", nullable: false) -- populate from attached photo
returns 2:32
